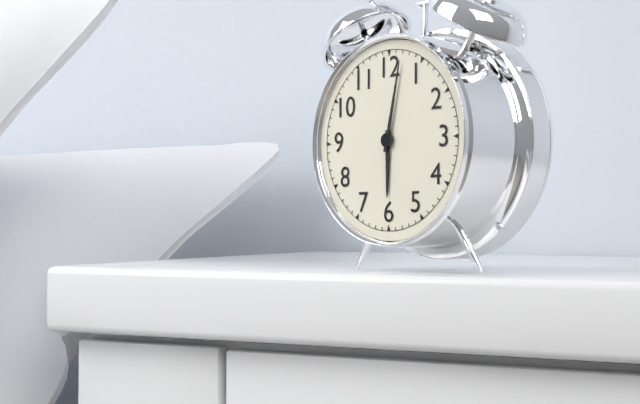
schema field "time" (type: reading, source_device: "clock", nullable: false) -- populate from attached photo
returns 6:02
